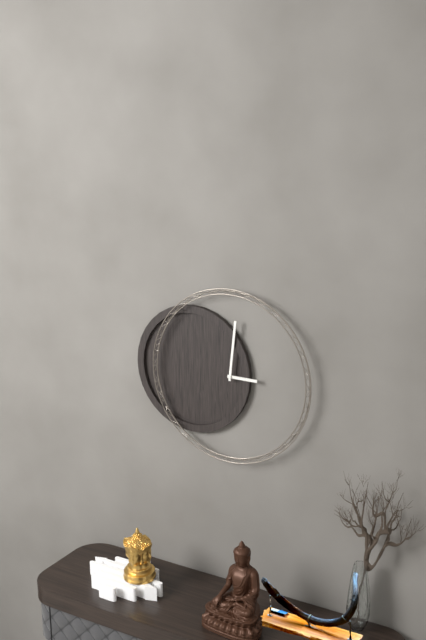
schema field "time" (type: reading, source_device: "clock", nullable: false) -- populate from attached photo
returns 3:01
